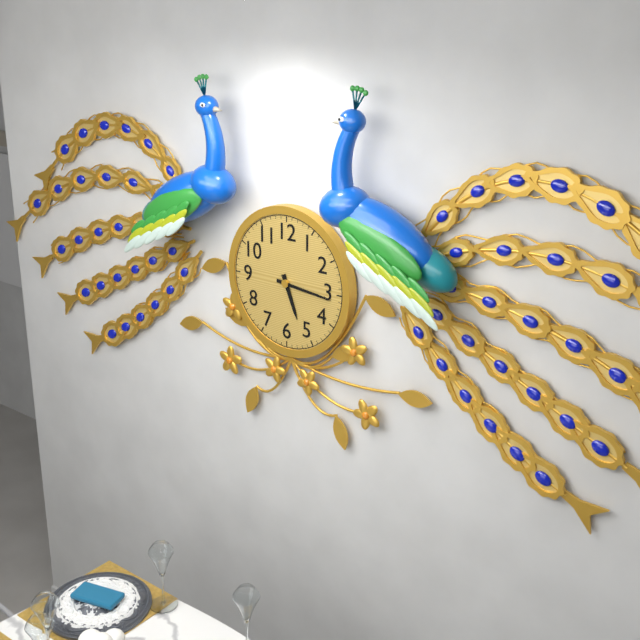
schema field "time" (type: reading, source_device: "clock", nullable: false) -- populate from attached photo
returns 5:16
